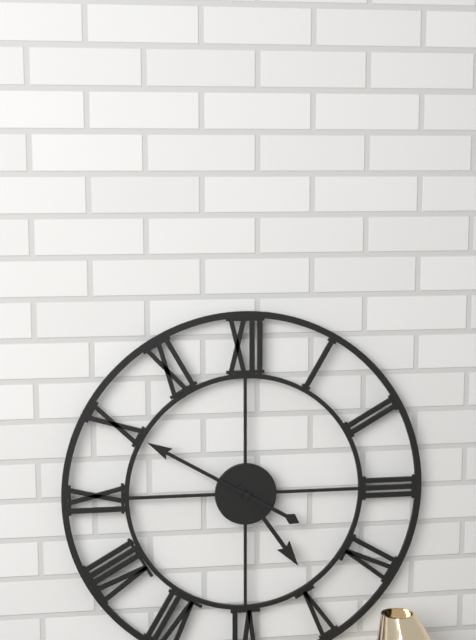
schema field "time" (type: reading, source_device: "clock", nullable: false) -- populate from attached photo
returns 4:50
